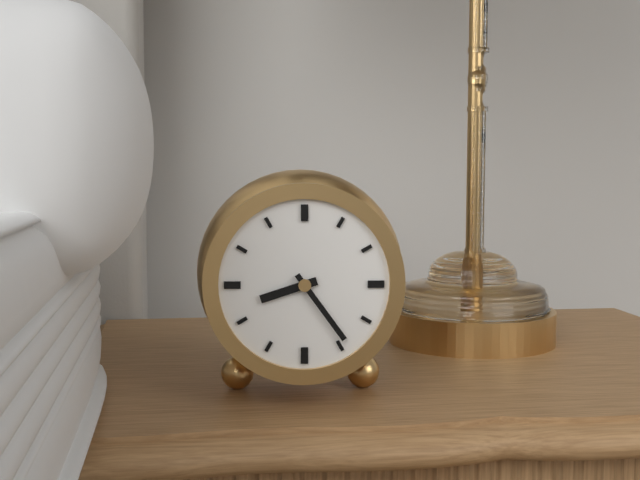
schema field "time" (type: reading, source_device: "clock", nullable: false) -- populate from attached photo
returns 8:24
